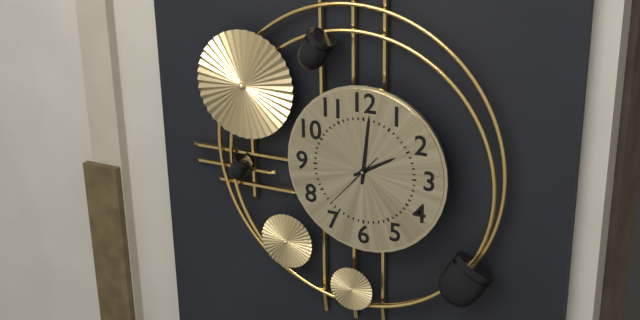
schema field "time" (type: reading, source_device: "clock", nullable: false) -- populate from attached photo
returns 2:01:37
